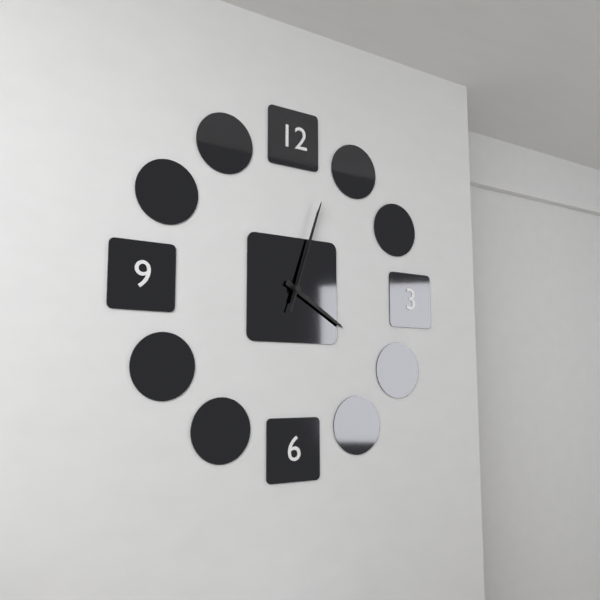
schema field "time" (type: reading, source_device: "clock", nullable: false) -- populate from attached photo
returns 4:03:03
